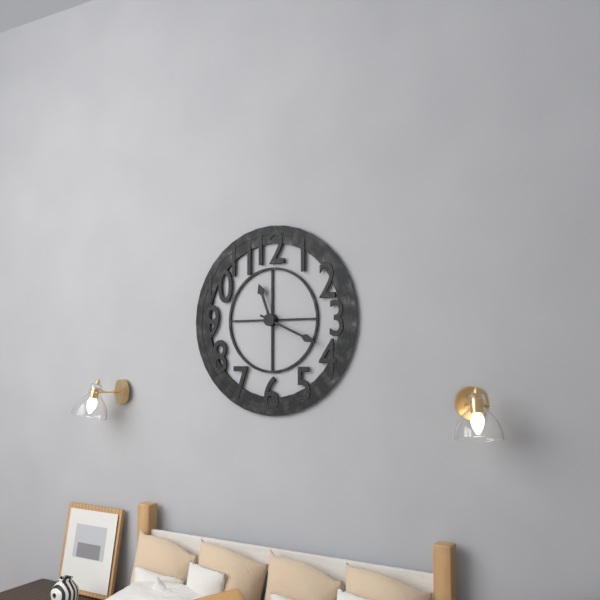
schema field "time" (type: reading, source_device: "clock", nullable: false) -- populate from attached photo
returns 11:19
